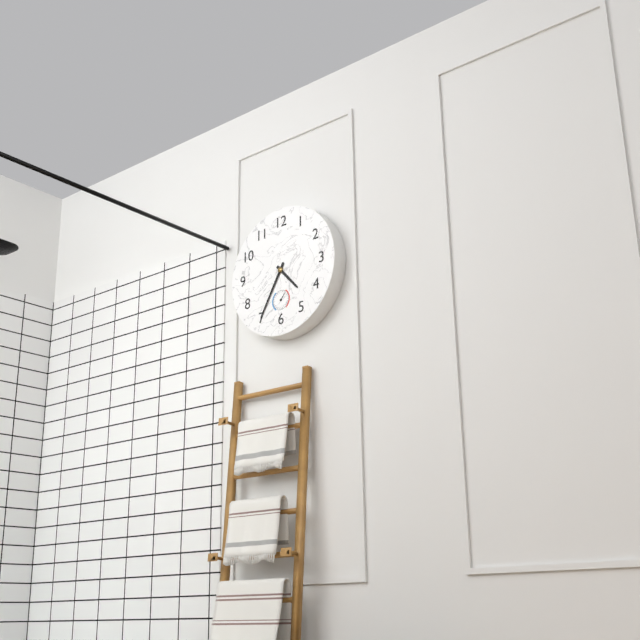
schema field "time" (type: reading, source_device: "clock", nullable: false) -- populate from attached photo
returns 4:35
